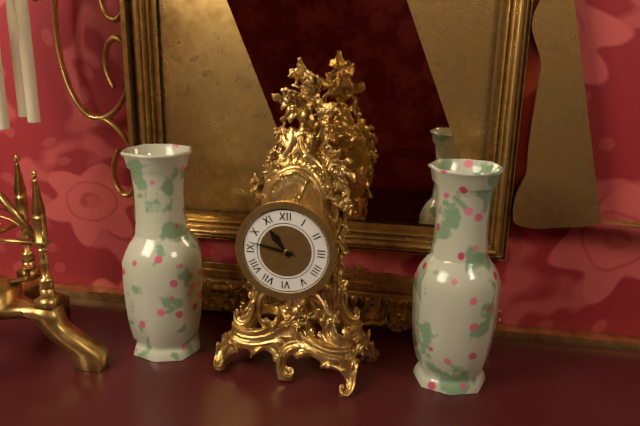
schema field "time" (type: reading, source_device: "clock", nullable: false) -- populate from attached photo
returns 10:47
